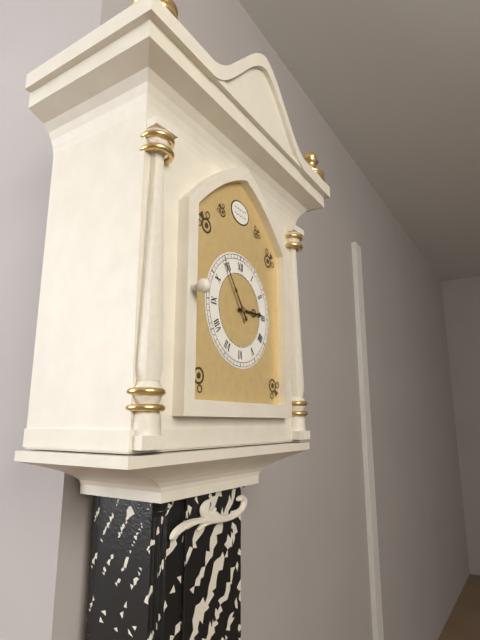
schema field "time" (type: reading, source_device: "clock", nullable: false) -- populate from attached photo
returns 2:54
